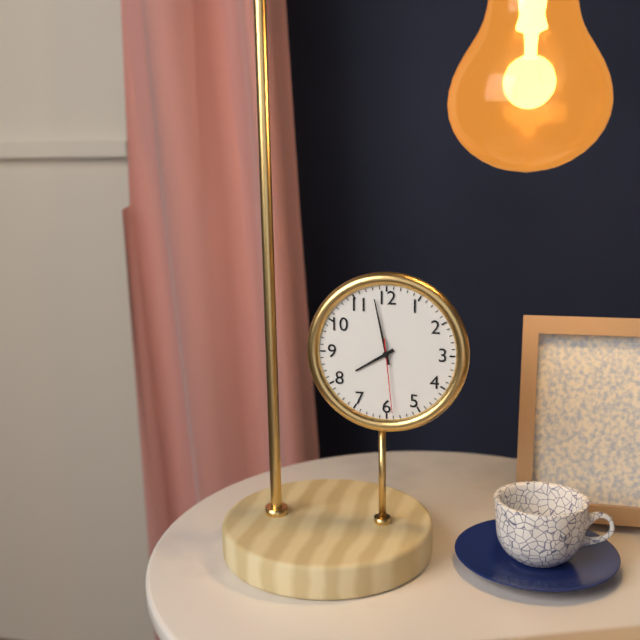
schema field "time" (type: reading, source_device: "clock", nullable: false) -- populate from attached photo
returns 7:58:29
